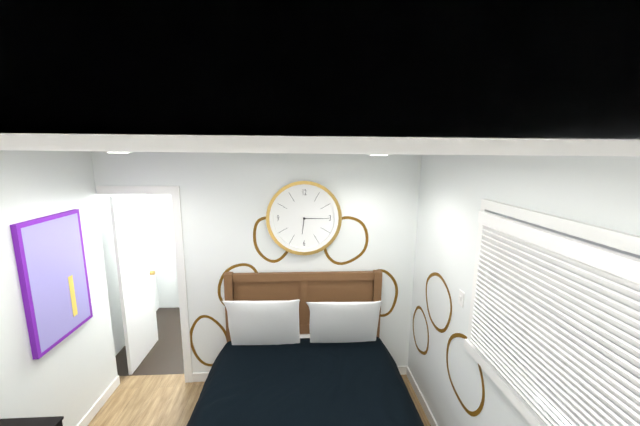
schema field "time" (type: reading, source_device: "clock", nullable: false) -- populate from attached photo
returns 6:15
